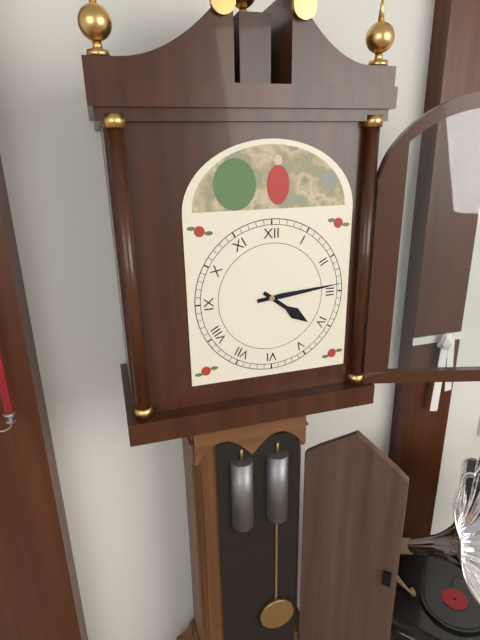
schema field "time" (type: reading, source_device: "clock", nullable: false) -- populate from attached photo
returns 4:14
